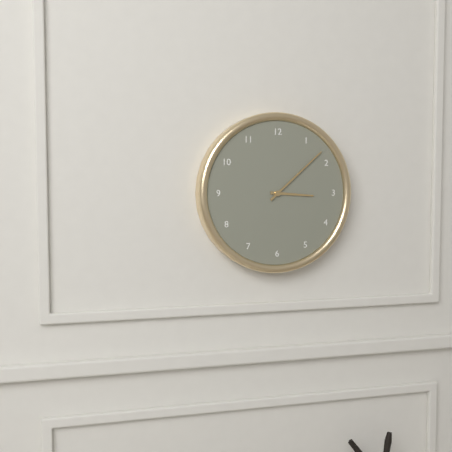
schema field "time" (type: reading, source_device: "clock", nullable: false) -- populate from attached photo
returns 3:08
